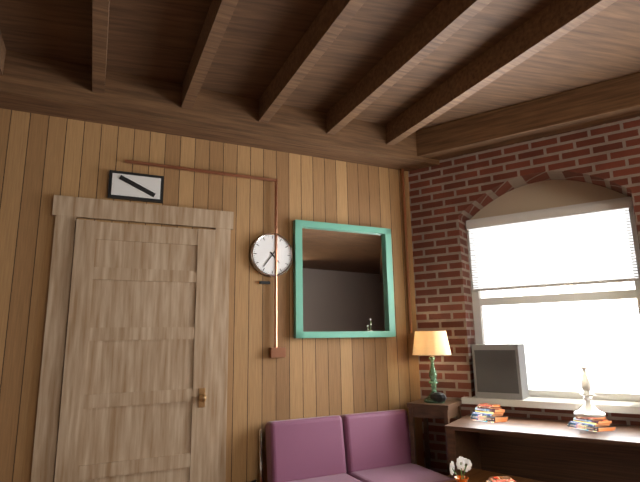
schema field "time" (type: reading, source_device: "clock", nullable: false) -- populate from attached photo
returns 4:36
